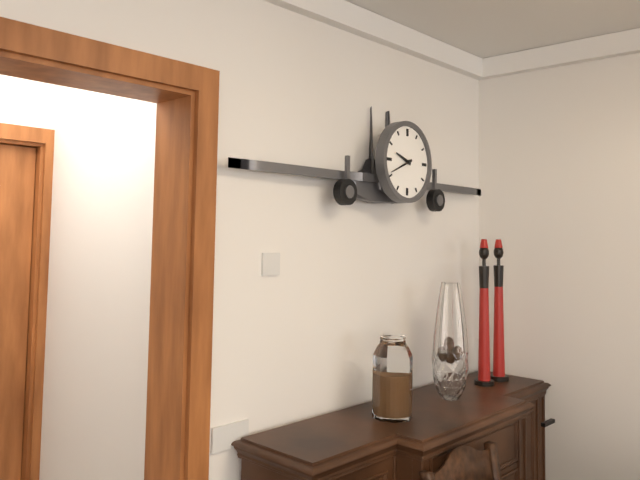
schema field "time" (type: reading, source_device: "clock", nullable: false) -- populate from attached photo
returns 9:41
